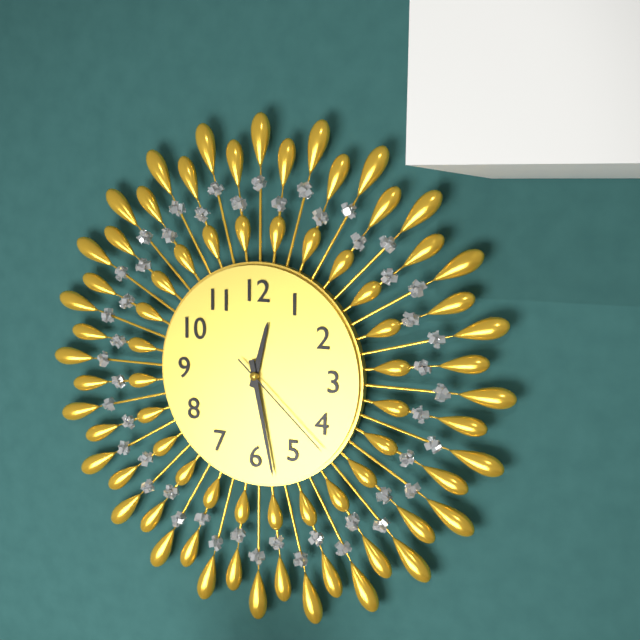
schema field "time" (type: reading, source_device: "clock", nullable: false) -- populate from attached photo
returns 12:28:22
